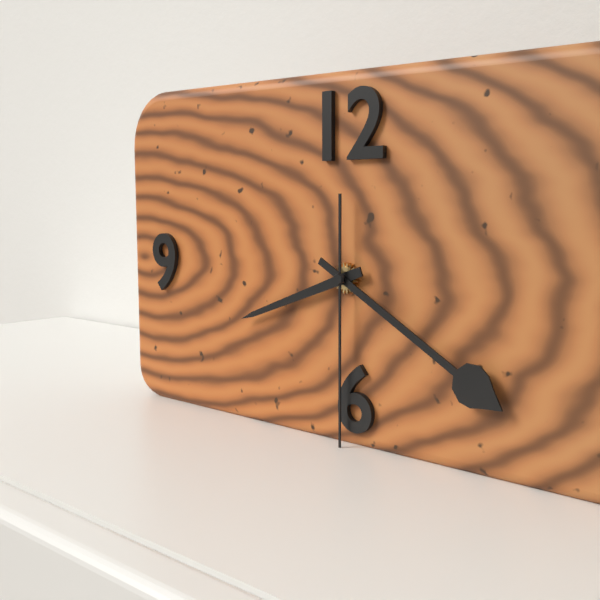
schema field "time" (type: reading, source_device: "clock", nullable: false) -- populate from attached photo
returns 8:20:30
